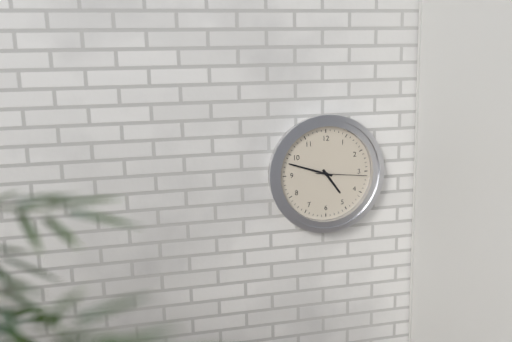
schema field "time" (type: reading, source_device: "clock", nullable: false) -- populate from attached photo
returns 4:48:16
